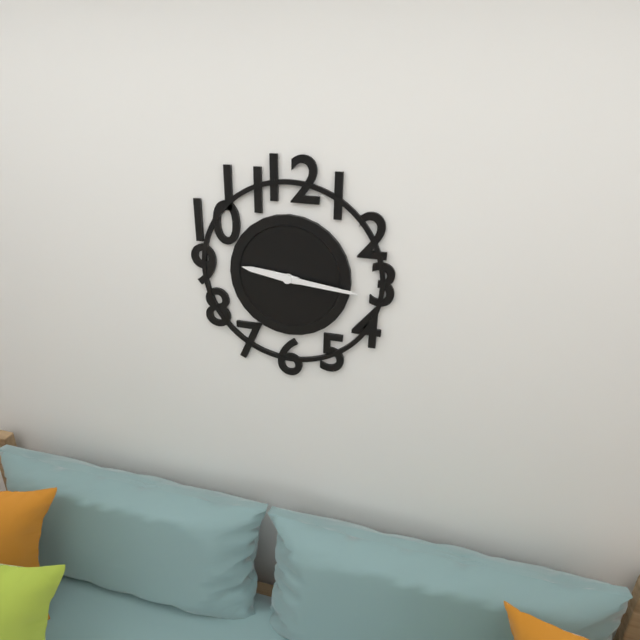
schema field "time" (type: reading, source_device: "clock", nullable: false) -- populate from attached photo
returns 9:16
